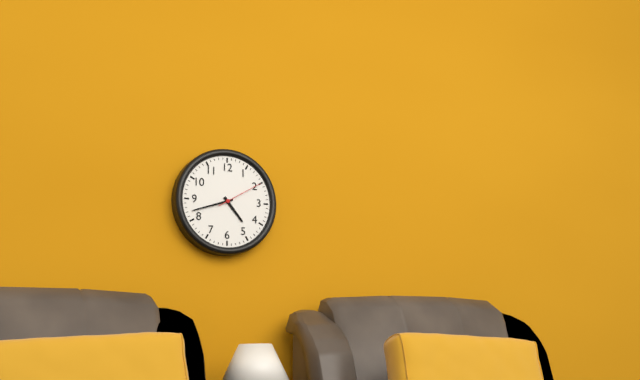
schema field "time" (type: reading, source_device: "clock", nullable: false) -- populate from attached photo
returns 4:42
